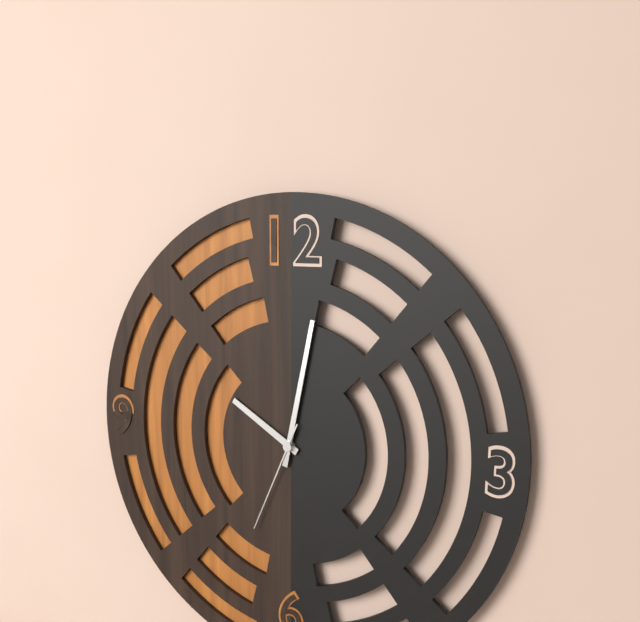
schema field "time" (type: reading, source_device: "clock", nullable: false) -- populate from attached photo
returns 10:02:34
